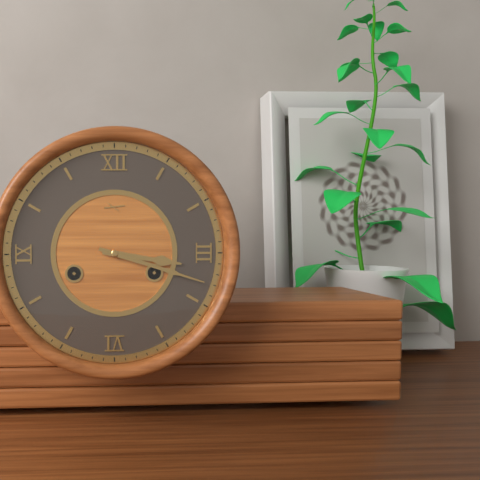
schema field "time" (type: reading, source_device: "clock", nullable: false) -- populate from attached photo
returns 3:18
